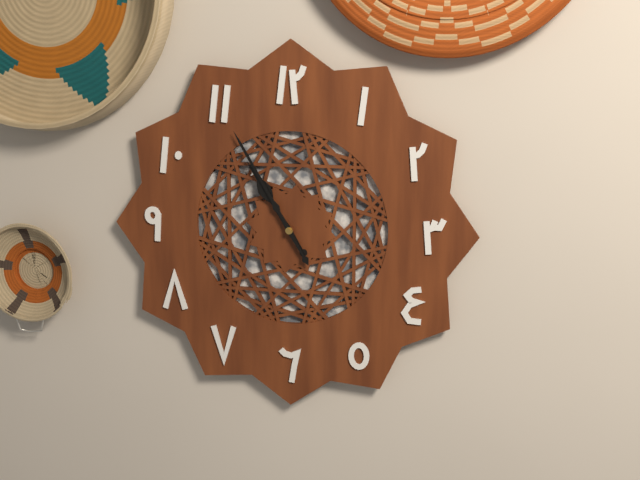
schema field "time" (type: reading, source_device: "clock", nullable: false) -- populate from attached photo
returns 10:55
